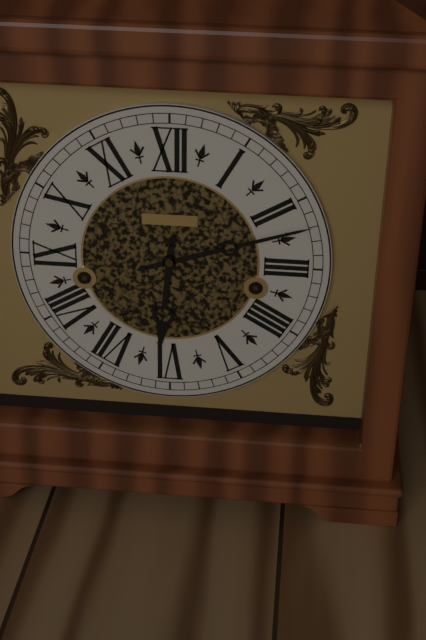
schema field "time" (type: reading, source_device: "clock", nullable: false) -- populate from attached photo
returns 6:12
